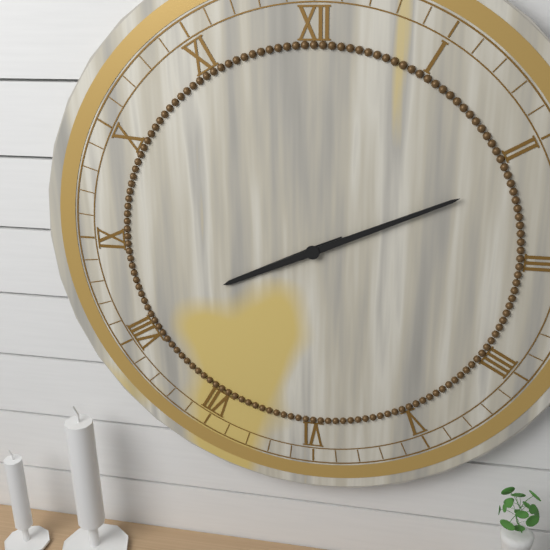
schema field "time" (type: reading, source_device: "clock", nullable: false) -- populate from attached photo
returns 8:11
